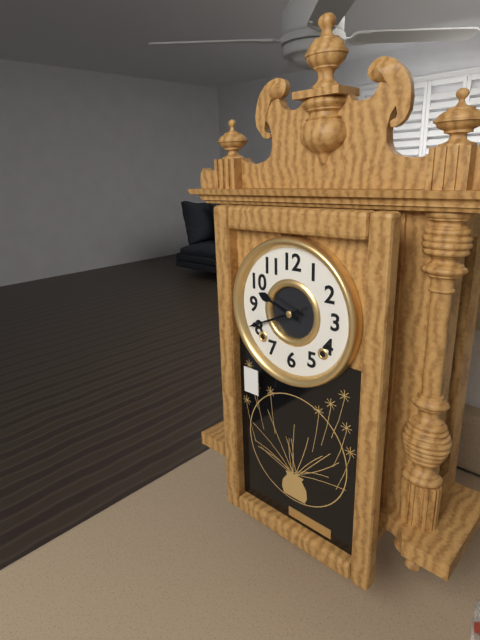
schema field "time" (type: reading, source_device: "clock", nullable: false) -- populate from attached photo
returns 9:41
